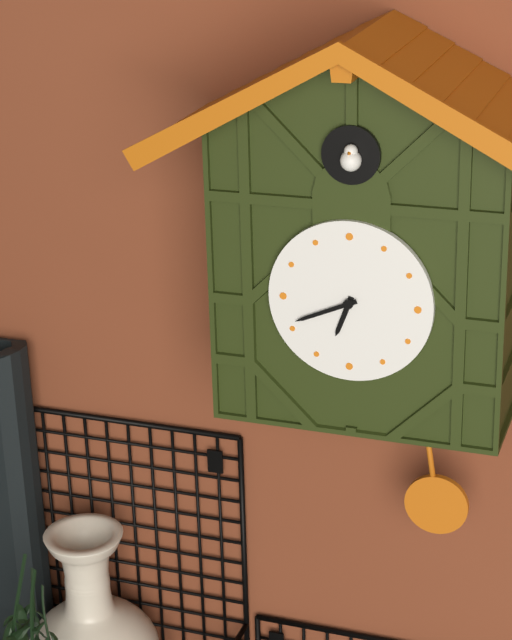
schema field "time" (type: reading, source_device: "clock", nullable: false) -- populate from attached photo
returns 6:41
